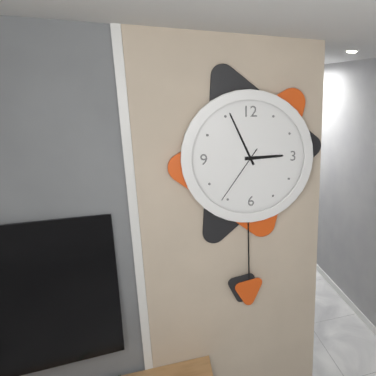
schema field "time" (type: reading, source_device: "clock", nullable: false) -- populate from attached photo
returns 2:56:36
